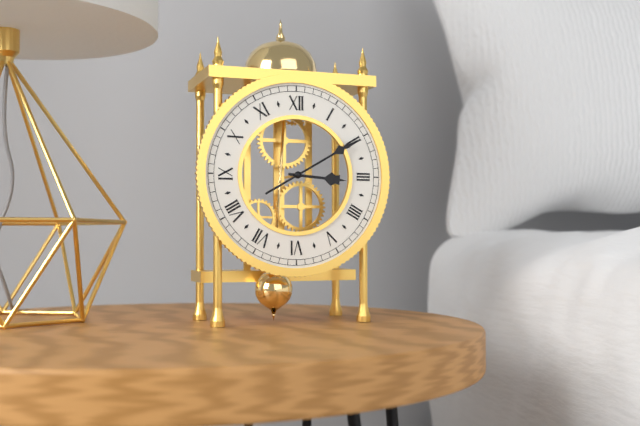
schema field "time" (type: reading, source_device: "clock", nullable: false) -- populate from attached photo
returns 3:10
